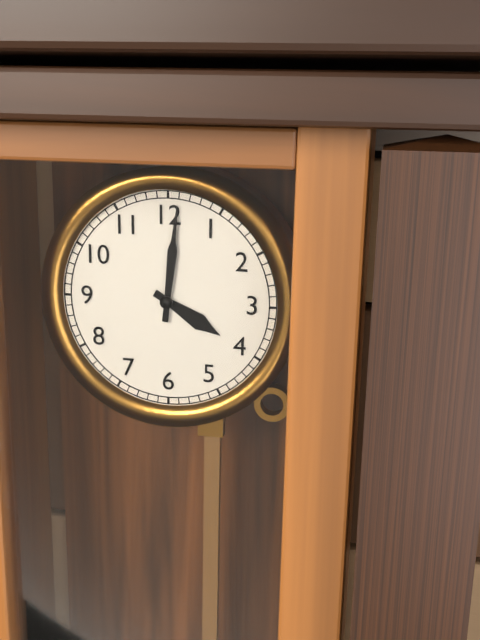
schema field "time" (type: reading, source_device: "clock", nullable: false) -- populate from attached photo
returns 4:01
